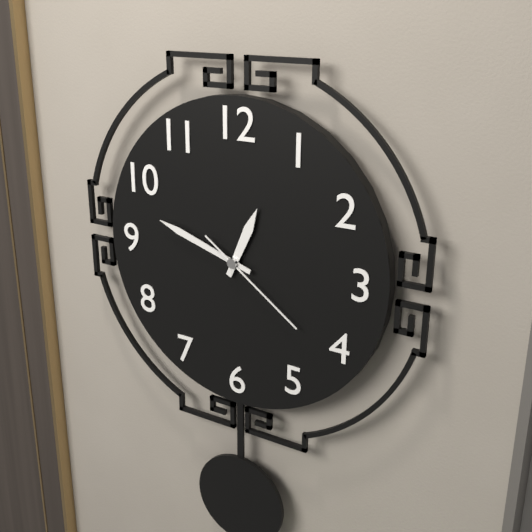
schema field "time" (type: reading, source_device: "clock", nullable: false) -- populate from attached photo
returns 12:48:21
